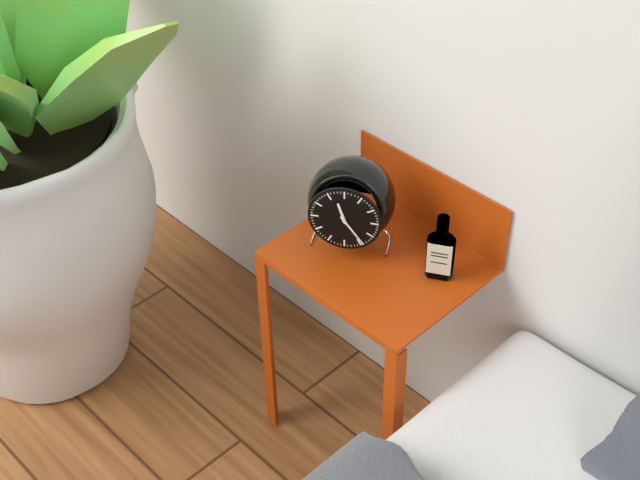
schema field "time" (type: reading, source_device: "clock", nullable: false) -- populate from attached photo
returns 11:24
